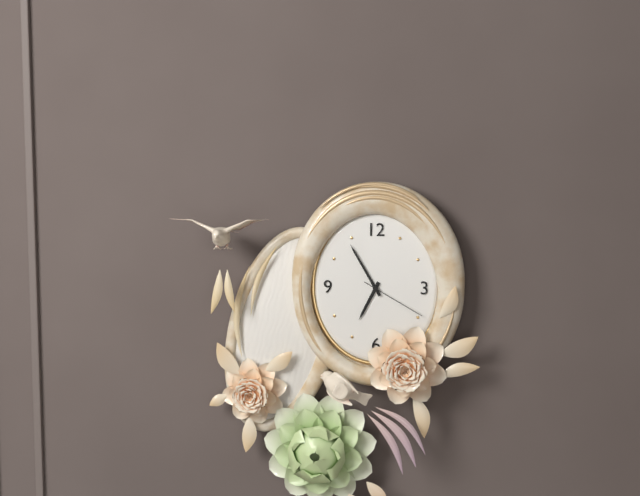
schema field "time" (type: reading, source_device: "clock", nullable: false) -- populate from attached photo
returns 6:55:20
